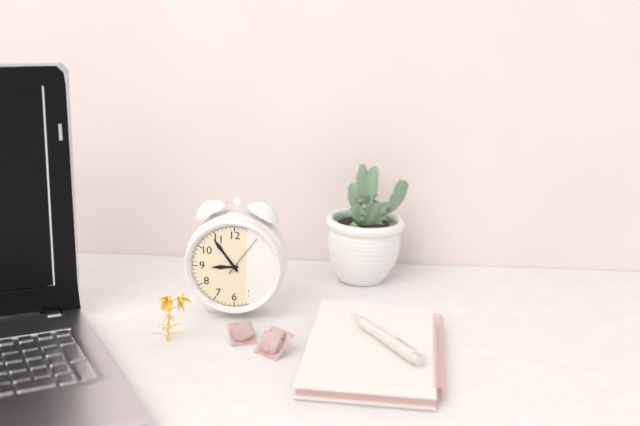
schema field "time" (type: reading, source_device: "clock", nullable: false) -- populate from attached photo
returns 8:54
